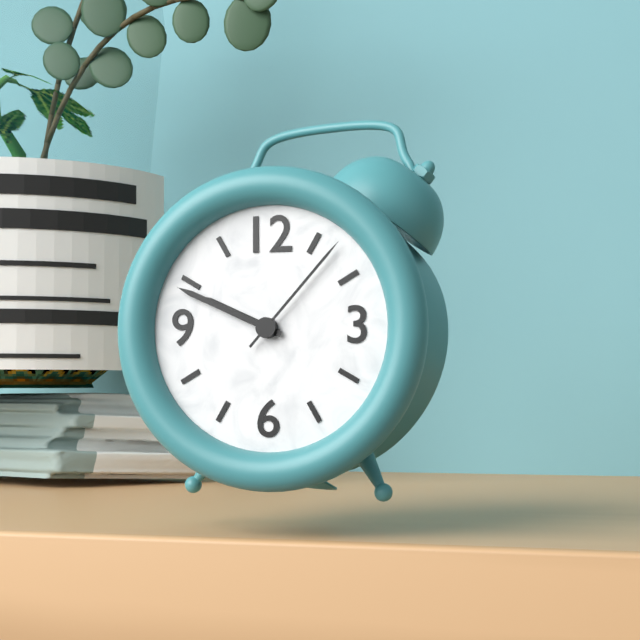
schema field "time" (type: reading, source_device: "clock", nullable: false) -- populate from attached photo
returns 9:49:07
